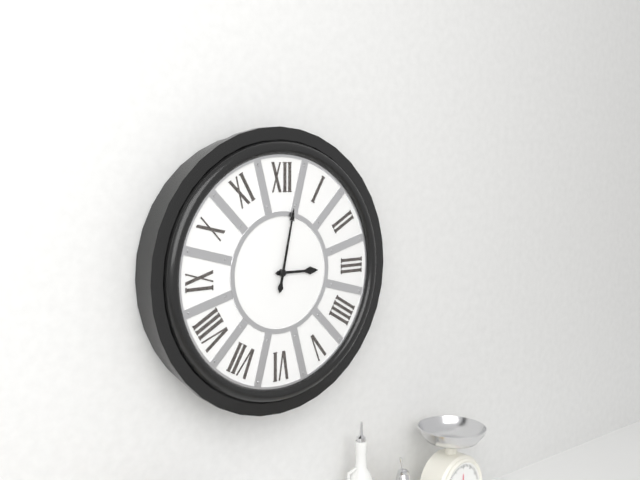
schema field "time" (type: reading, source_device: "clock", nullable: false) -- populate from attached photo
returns 3:02
